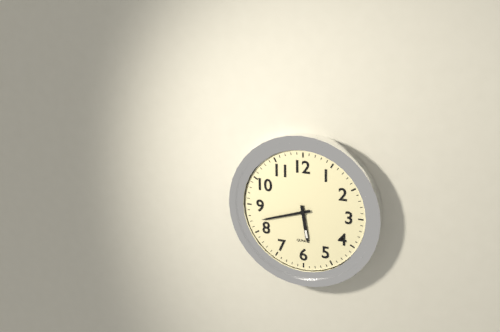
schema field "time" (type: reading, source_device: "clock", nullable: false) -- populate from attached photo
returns 5:42
